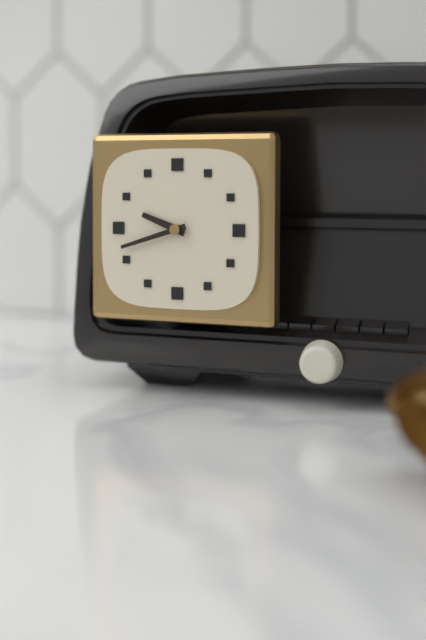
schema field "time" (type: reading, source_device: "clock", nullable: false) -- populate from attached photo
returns 9:42
